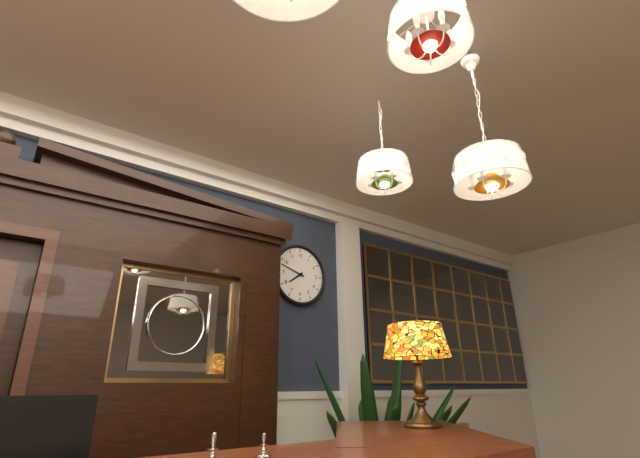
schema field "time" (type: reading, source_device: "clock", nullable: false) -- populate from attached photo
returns 7:48
